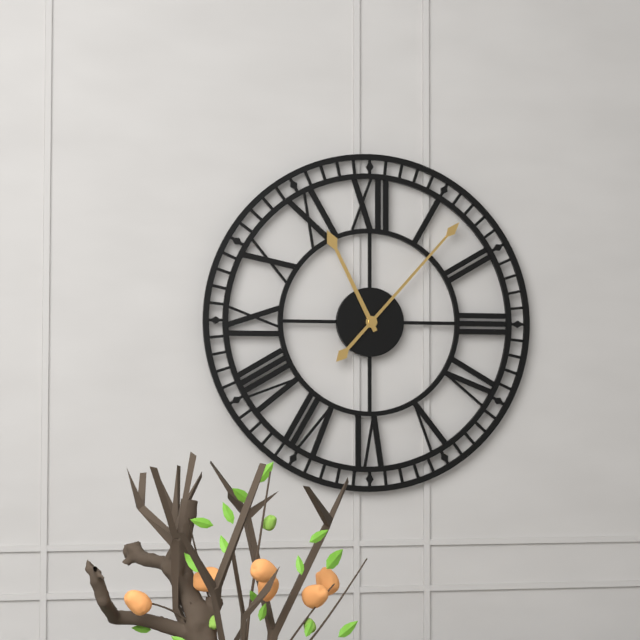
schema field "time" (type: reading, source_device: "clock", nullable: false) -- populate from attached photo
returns 11:07
